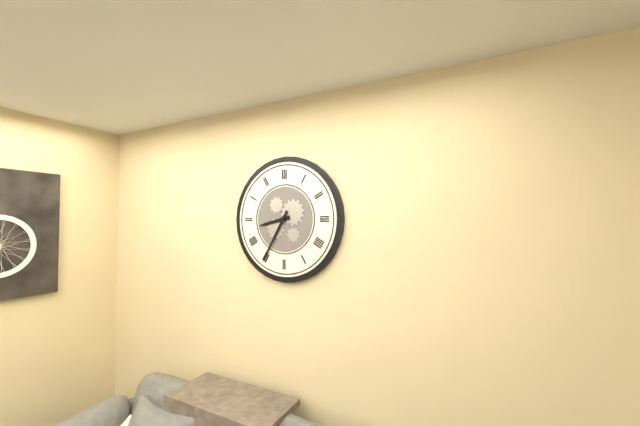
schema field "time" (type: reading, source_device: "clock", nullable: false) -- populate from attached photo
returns 8:35
